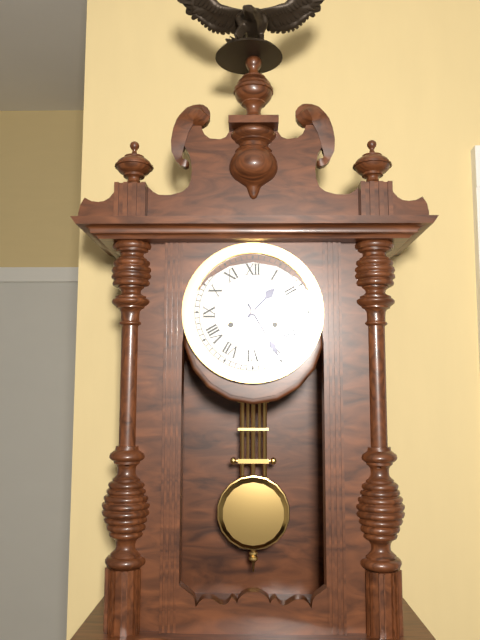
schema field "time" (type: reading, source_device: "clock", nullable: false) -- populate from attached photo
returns 1:25
